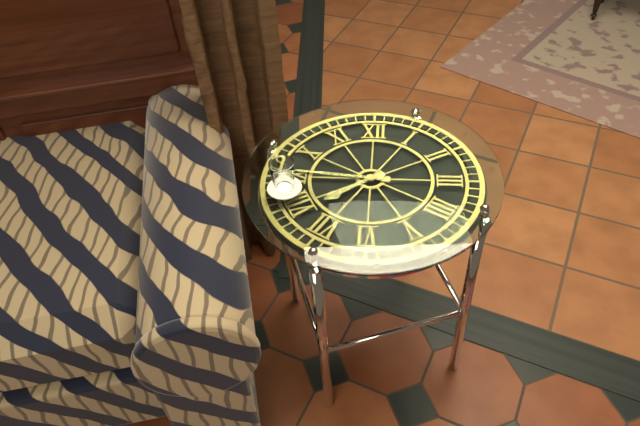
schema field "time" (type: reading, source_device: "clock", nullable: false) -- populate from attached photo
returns 7:46
